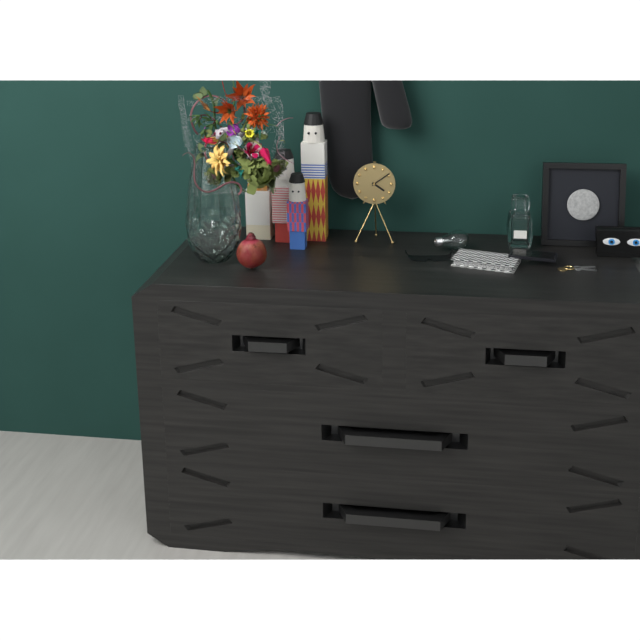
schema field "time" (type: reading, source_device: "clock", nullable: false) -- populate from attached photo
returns 4:09
